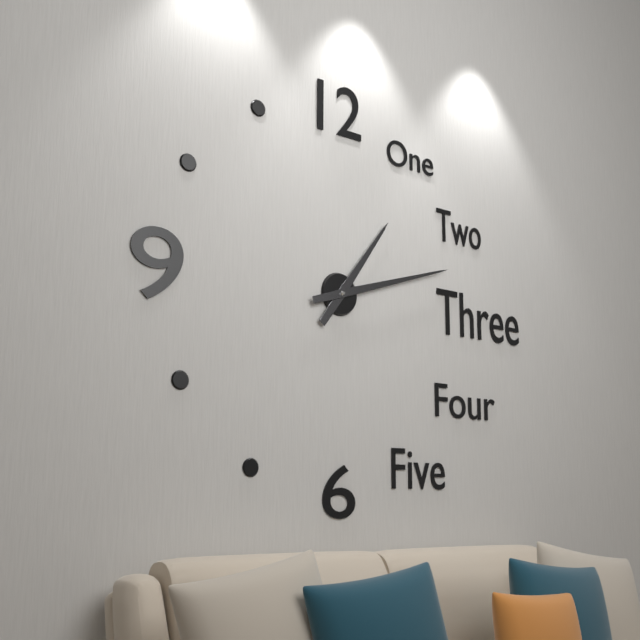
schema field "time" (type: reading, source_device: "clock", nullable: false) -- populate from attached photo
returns 1:12
